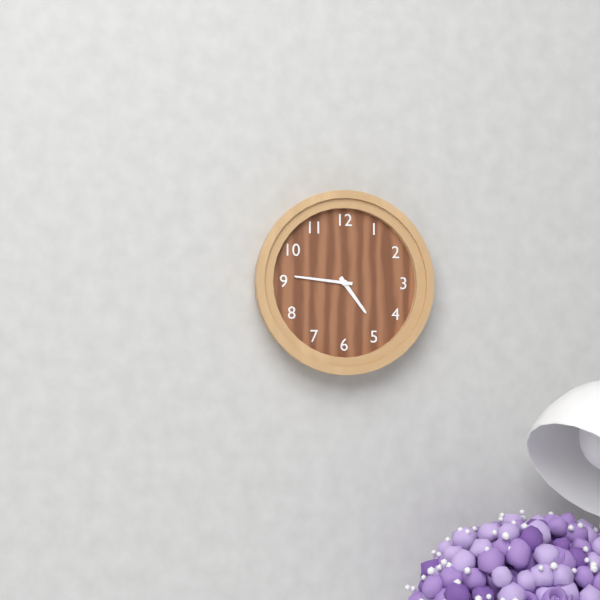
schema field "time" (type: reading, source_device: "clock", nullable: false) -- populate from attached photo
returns 4:46
